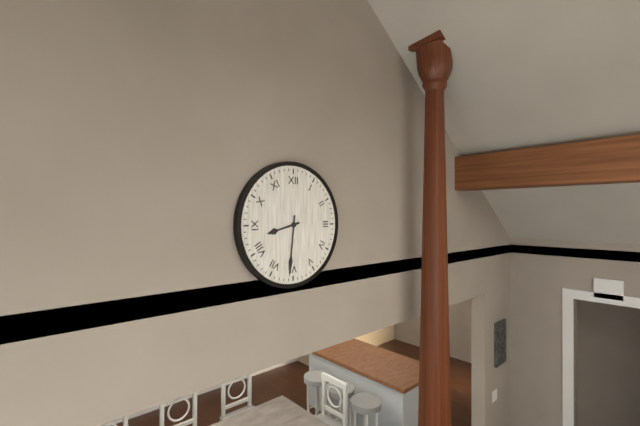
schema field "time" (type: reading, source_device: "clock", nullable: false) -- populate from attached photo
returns 8:31
